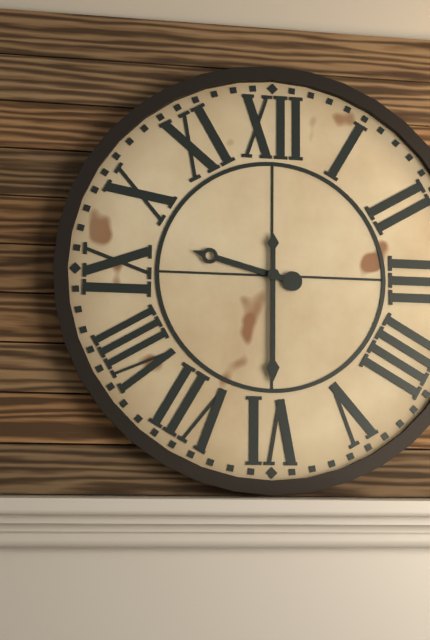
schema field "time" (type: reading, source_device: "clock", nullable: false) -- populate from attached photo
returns 9:30
